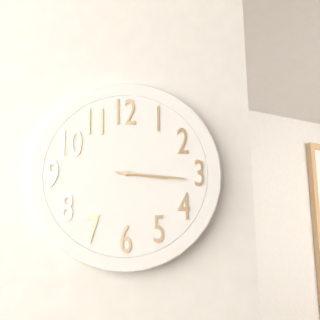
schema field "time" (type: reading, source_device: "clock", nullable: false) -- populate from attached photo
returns 3:16
